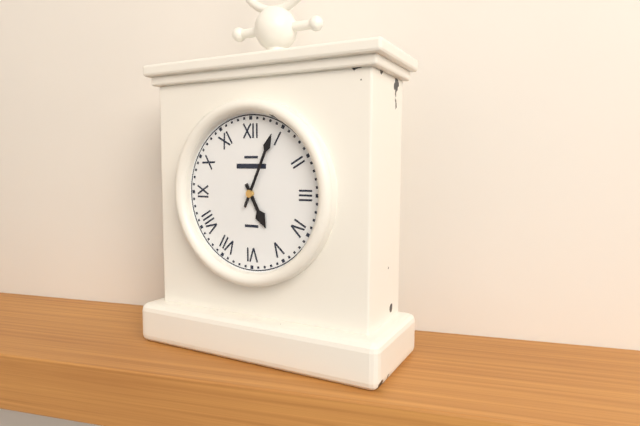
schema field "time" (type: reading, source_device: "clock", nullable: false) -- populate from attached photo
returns 5:04
